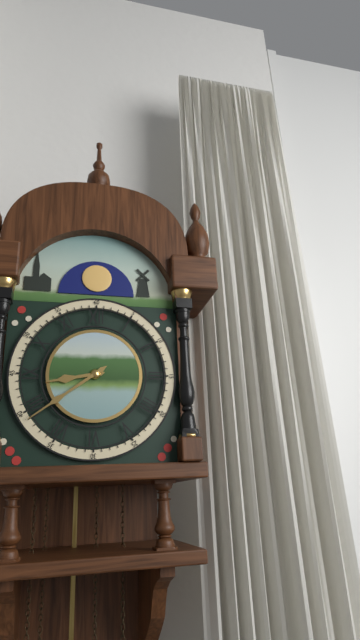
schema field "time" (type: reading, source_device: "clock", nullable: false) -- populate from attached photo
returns 8:39
